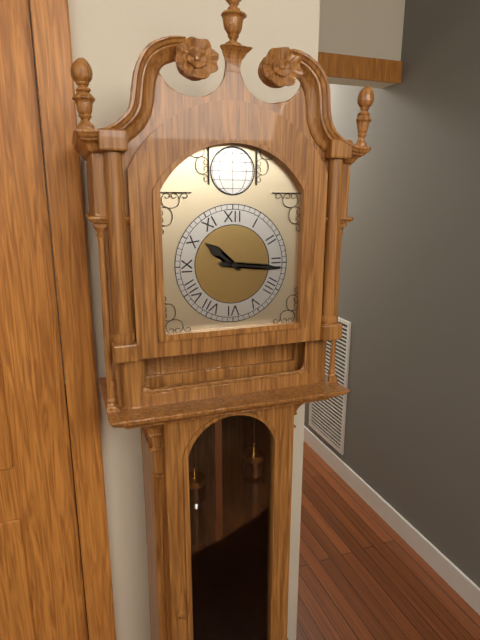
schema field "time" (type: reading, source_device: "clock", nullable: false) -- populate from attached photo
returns 10:16
